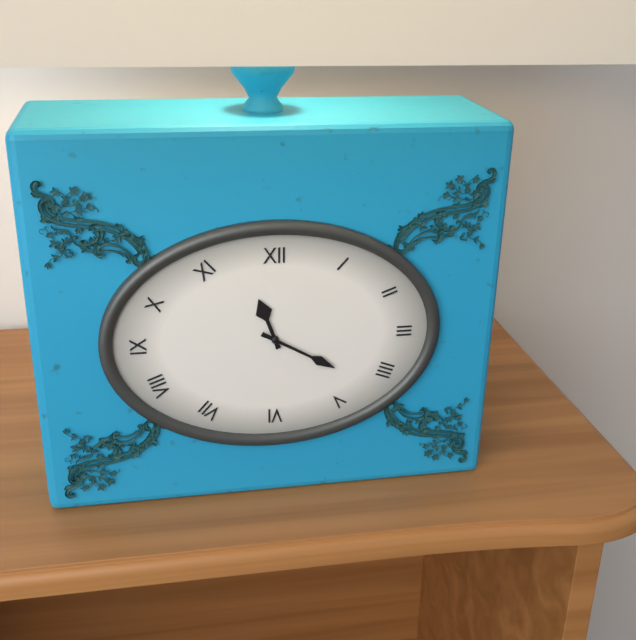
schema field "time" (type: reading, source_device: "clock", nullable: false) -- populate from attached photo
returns 11:20
